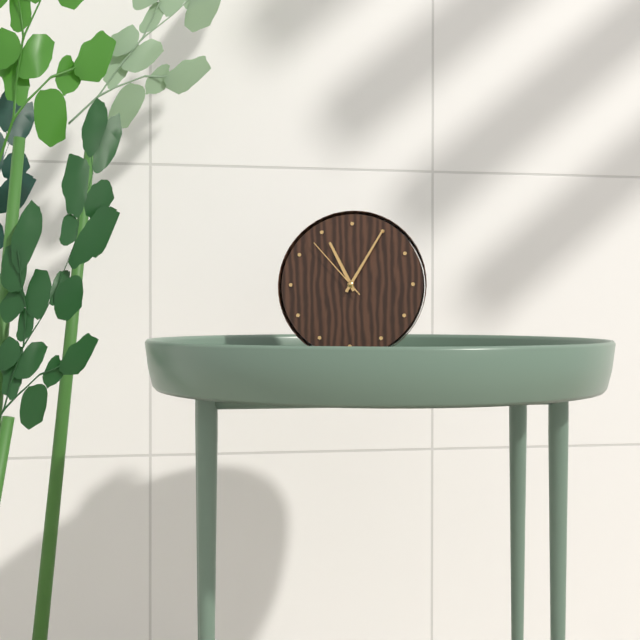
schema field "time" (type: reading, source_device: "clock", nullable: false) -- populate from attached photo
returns 11:05:53
